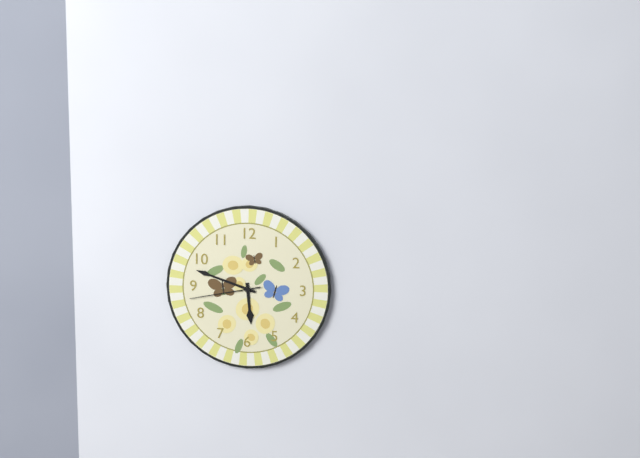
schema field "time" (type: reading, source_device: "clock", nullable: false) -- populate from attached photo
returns 5:48:43
